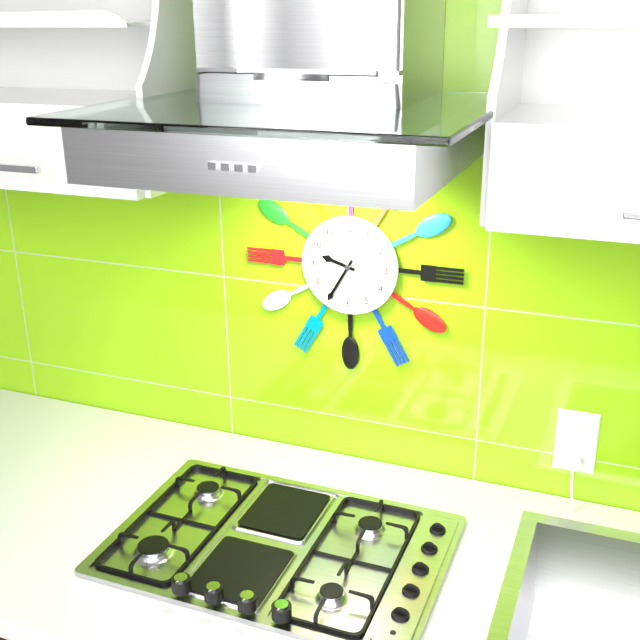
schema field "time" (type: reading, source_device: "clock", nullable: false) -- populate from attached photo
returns 9:35
